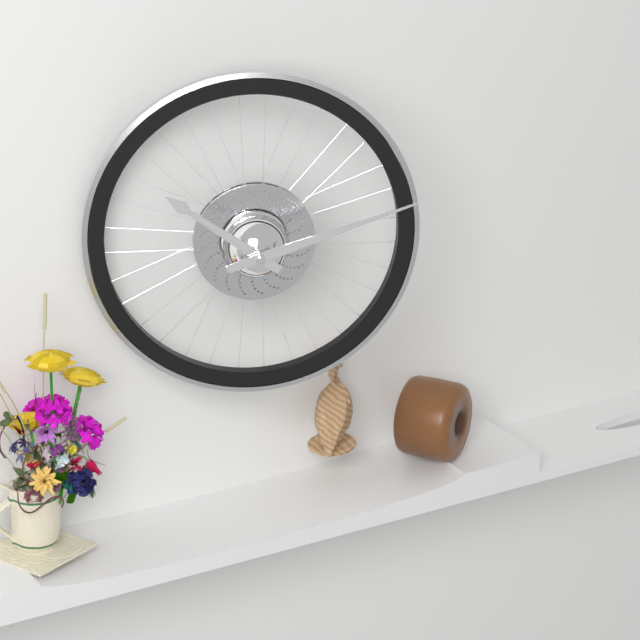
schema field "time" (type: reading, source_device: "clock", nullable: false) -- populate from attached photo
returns 10:12
